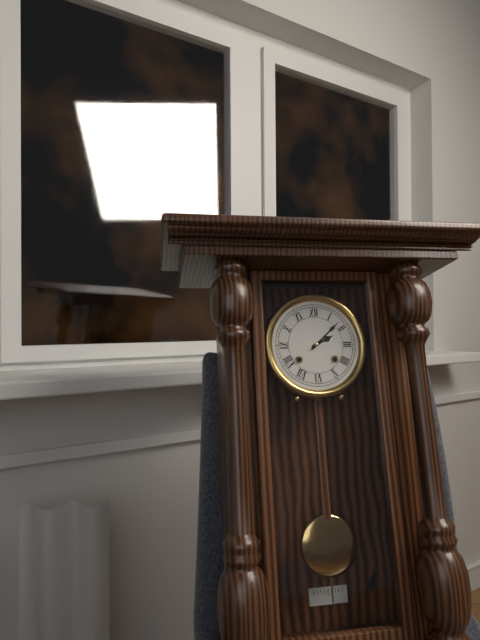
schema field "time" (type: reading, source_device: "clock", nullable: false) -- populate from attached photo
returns 2:08
